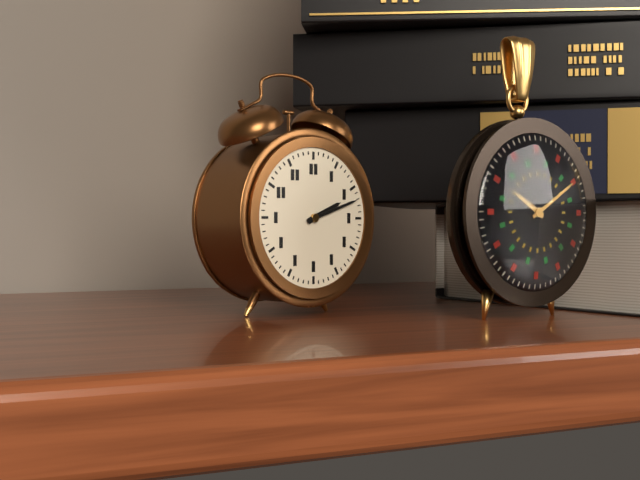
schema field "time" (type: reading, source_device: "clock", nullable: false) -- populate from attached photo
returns 2:12
